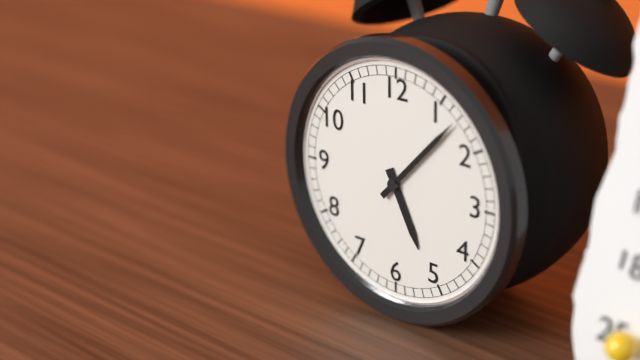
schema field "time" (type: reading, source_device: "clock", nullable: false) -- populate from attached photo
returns 5:07
